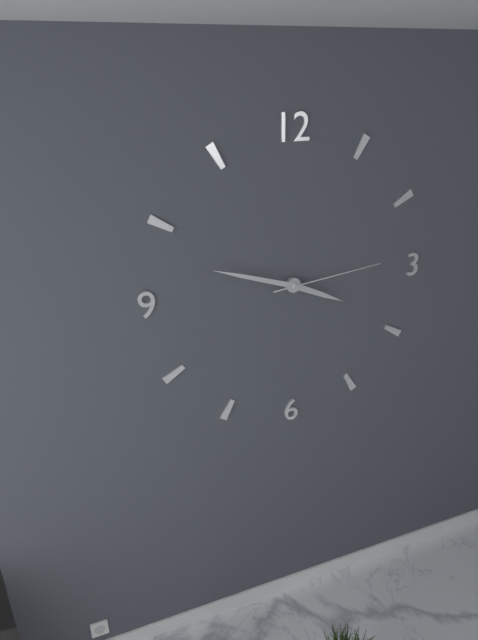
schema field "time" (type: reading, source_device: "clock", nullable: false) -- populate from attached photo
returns 3:48:14
